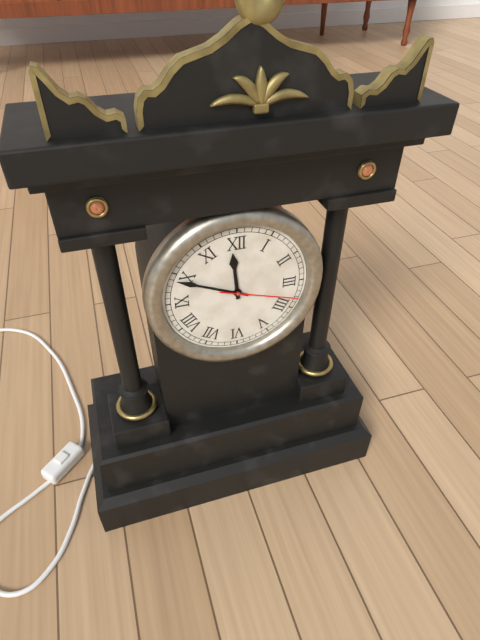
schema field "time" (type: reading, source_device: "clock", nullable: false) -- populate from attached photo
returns 11:49:18
